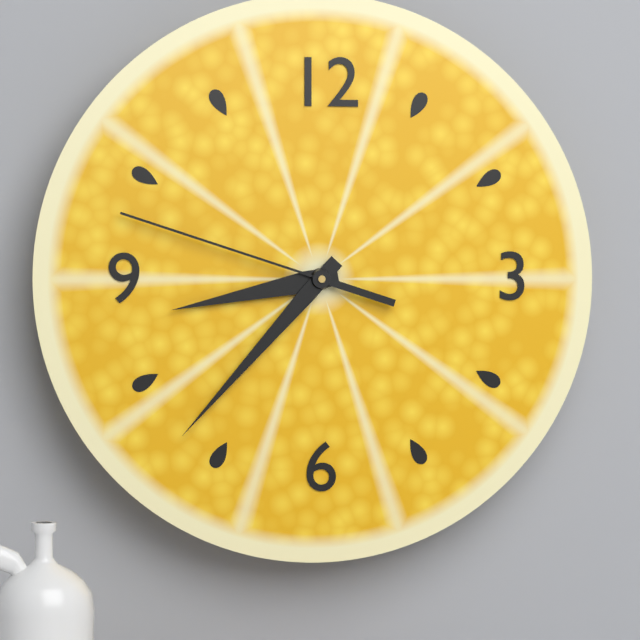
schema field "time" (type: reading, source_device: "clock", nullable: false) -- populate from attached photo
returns 8:37:48
